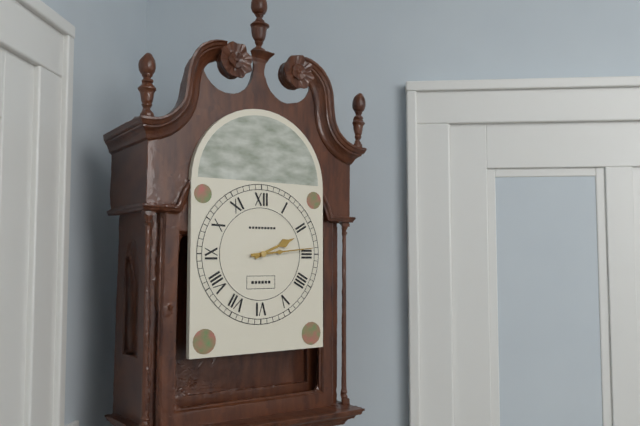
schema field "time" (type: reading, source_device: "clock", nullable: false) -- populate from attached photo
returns 2:14
